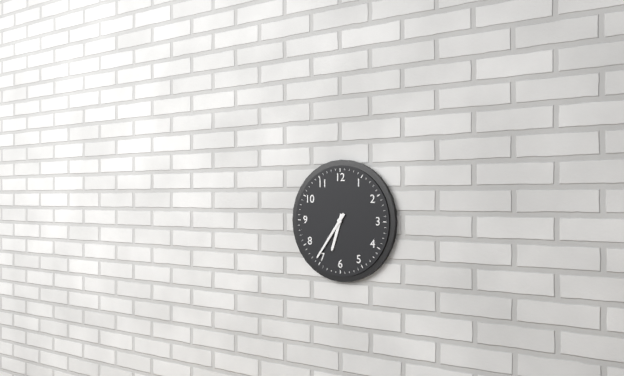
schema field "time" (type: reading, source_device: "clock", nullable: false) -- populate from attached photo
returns 6:36
